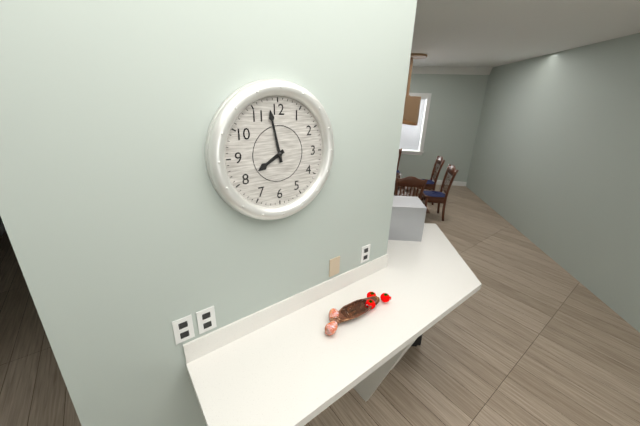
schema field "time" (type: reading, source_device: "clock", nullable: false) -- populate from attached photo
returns 7:58
